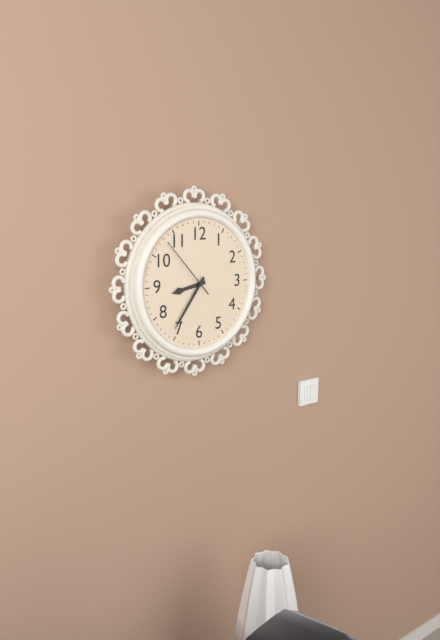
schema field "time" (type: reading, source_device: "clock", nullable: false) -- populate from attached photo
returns 8:36:53
